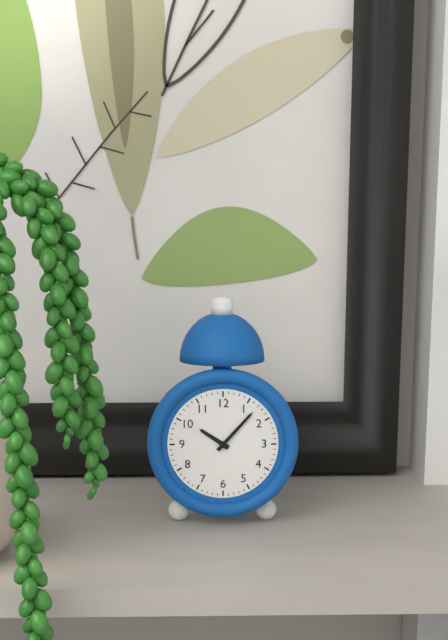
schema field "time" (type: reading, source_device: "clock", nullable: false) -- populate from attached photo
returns 10:07
